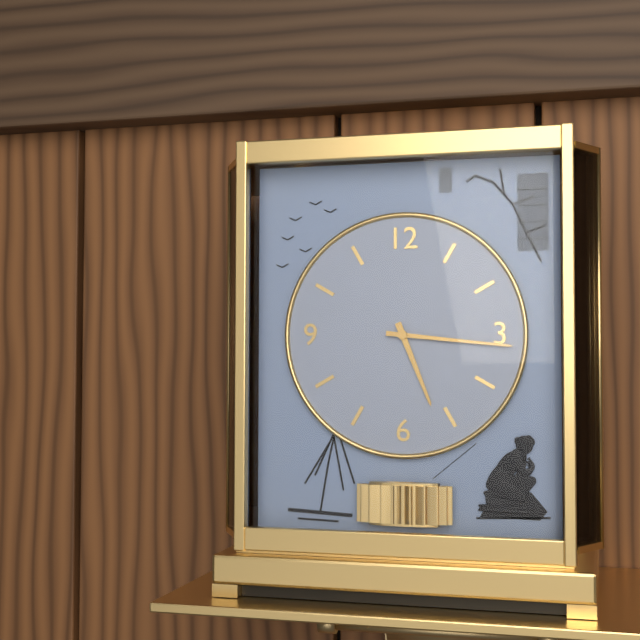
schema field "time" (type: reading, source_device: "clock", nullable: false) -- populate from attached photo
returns 5:16
